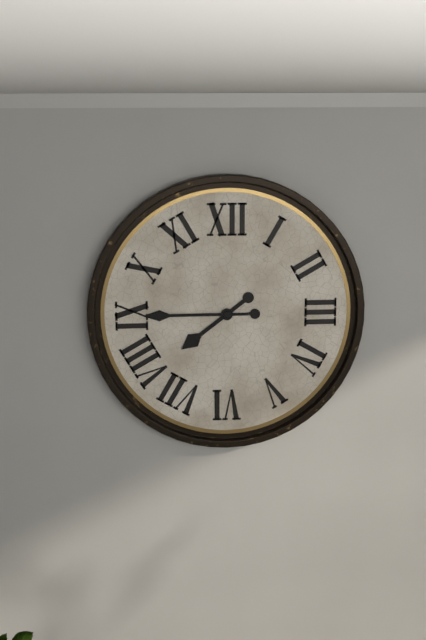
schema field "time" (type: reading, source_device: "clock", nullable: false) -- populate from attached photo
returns 7:45
